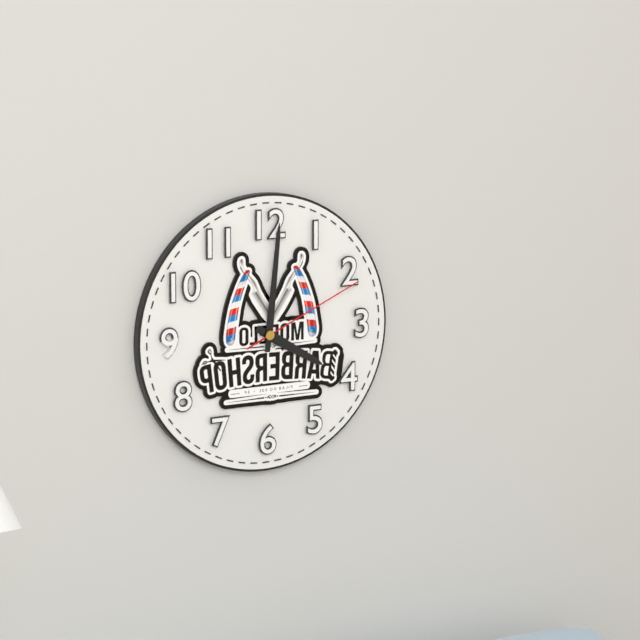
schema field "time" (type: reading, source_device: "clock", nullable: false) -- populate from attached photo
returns 4:01:11
